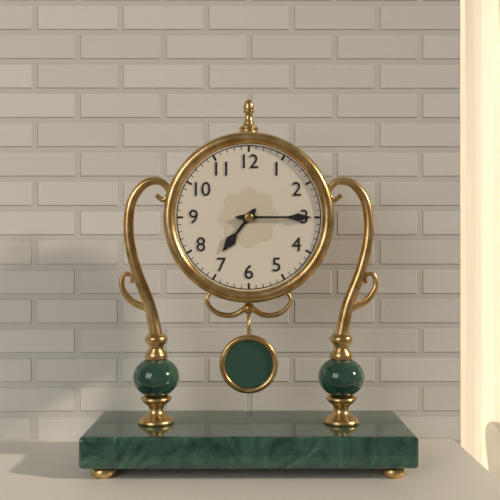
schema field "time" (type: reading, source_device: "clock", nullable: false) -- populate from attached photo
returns 7:15
